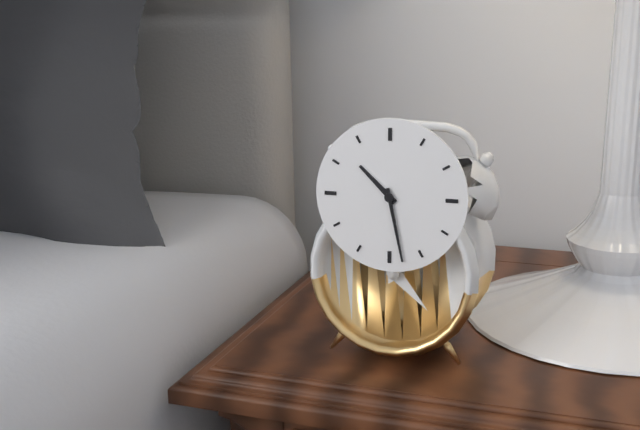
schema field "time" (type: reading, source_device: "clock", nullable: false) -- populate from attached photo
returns 10:28
